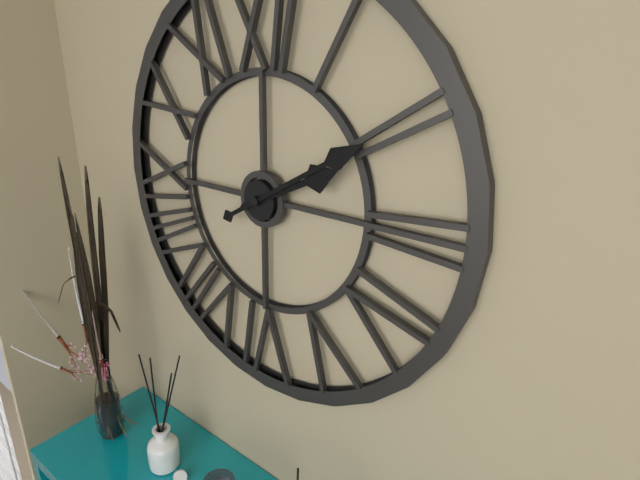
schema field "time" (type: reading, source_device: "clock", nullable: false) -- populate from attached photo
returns 2:10
